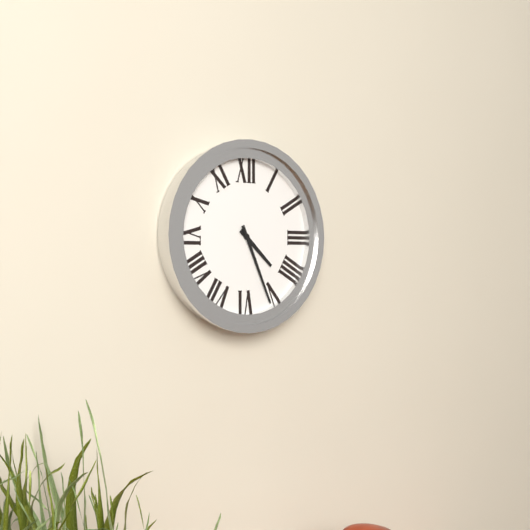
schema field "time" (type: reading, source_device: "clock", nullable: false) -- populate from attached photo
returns 4:26
